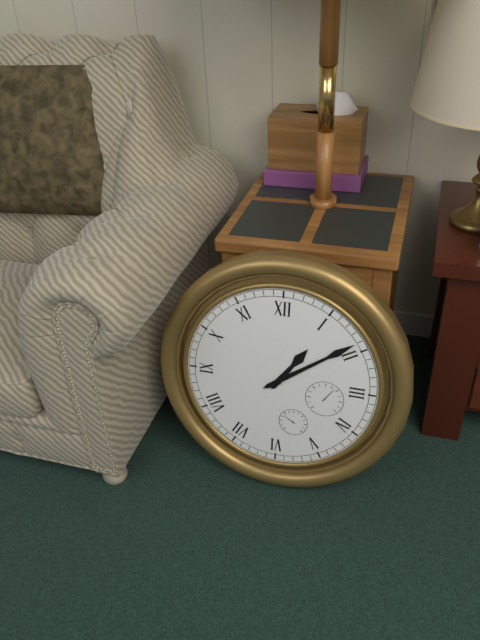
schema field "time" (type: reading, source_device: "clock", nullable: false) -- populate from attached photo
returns 1:09
